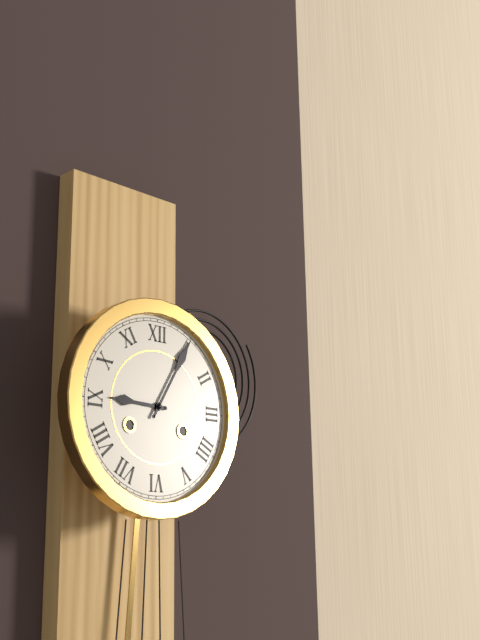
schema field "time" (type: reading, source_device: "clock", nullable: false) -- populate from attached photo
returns 9:05
